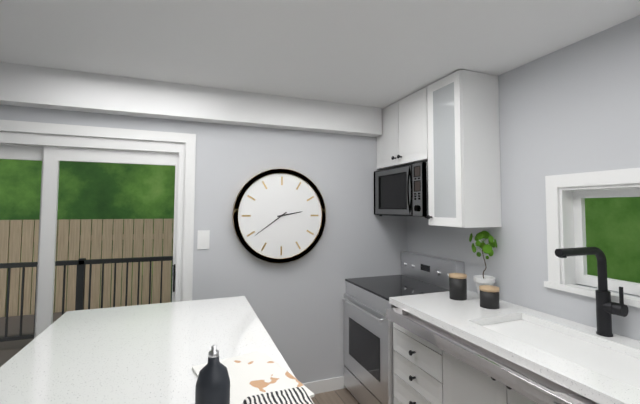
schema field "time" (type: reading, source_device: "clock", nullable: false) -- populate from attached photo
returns 2:39
